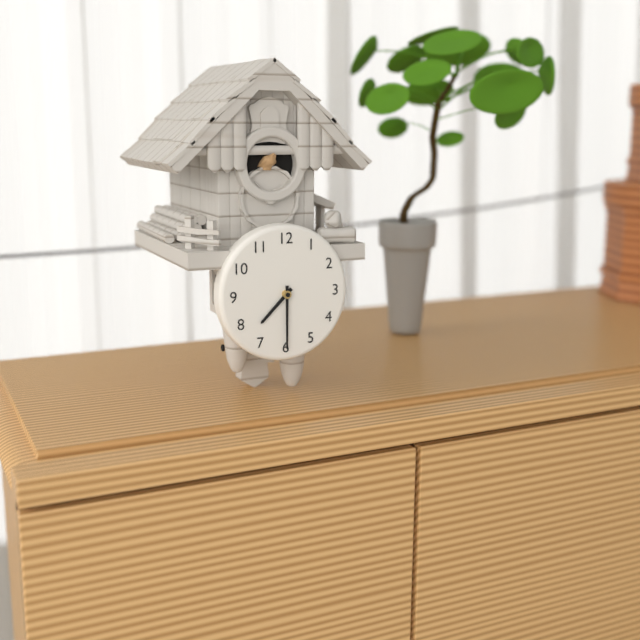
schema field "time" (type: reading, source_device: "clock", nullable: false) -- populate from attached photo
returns 7:30
